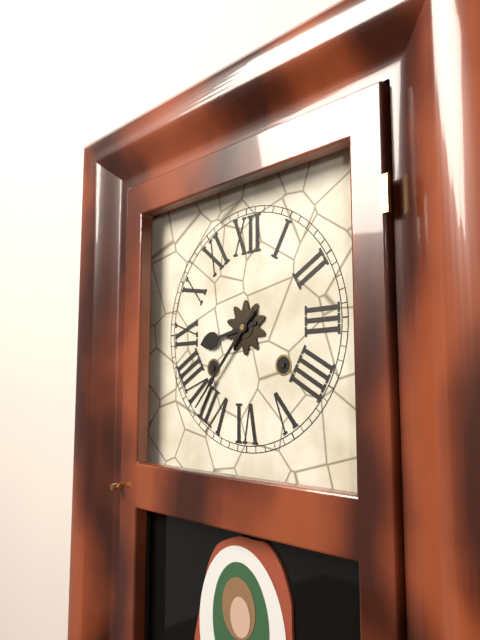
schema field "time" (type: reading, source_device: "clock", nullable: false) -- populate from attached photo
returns 8:37
